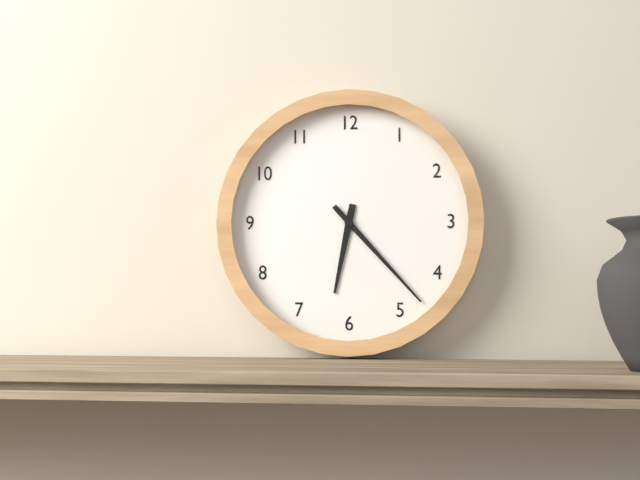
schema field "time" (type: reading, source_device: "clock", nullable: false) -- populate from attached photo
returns 6:23
